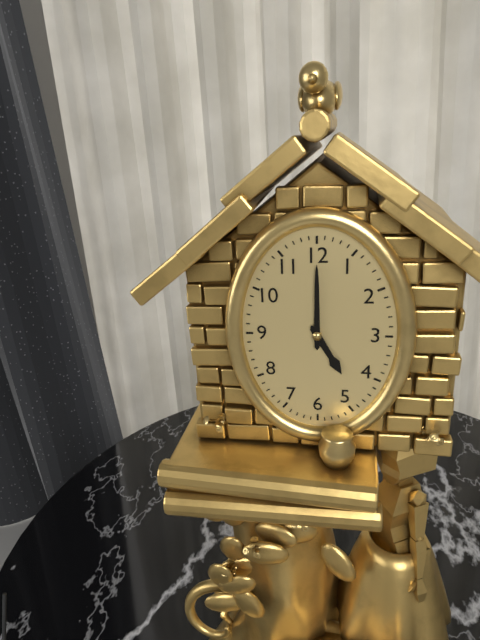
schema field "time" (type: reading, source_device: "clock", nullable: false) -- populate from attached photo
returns 5:00
